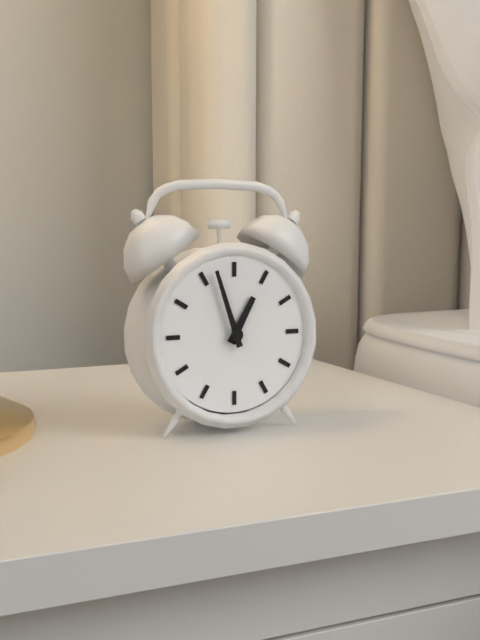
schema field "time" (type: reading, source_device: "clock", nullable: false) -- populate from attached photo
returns 12:57
